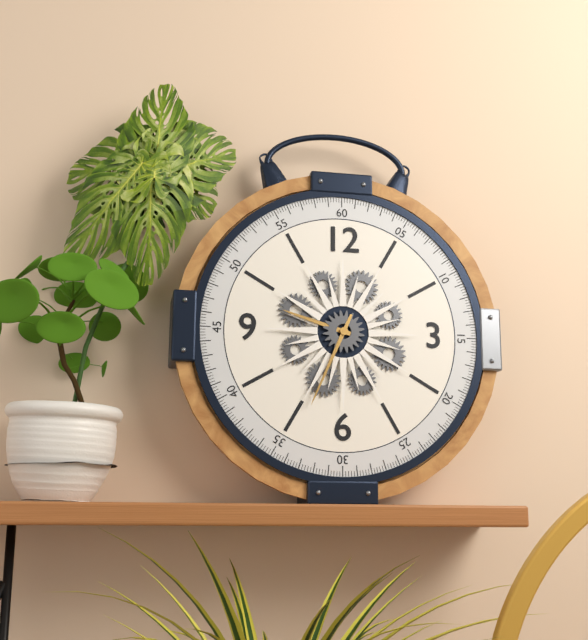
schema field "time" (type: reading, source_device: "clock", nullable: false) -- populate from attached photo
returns 9:34
